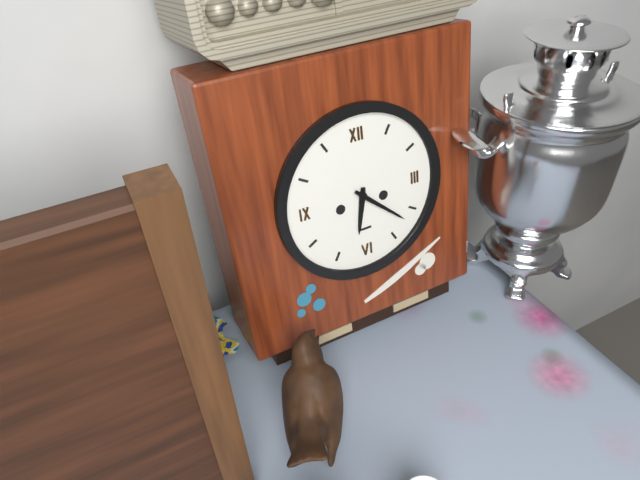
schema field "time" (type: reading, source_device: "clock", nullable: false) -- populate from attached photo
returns 6:22
